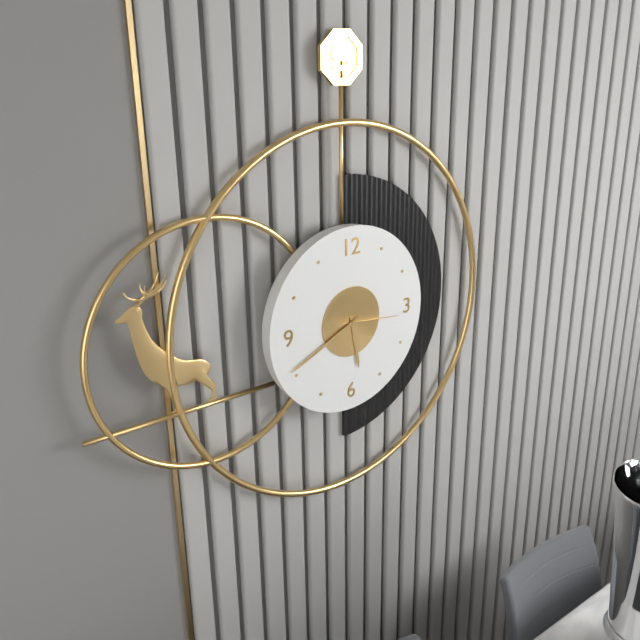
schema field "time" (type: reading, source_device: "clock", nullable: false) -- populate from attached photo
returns 5:41:16
